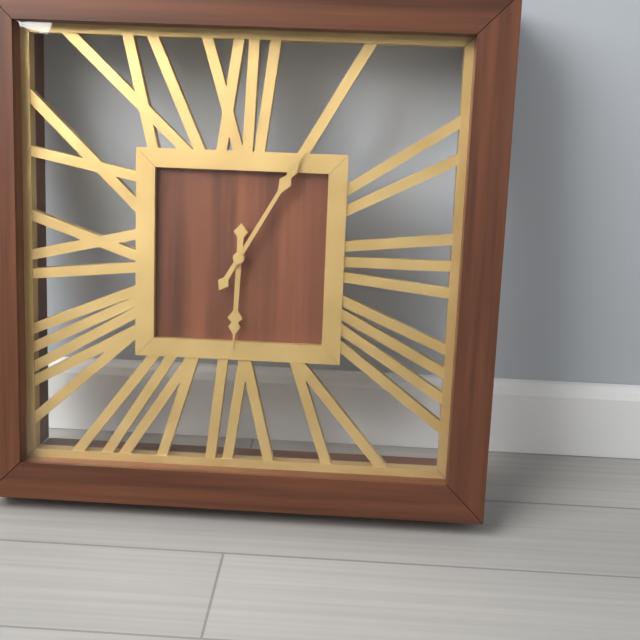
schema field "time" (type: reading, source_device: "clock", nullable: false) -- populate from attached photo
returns 6:05
